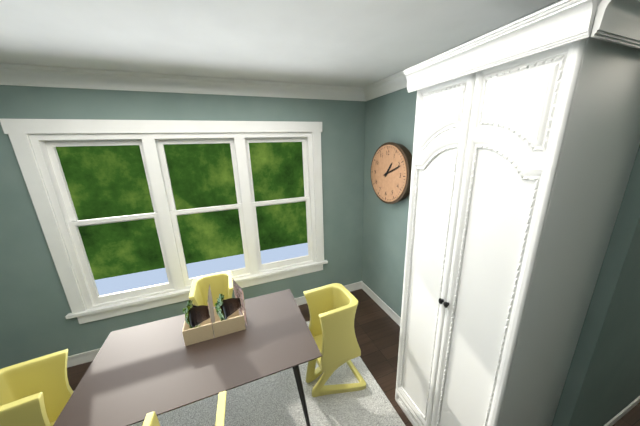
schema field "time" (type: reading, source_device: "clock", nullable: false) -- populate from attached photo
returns 1:11
